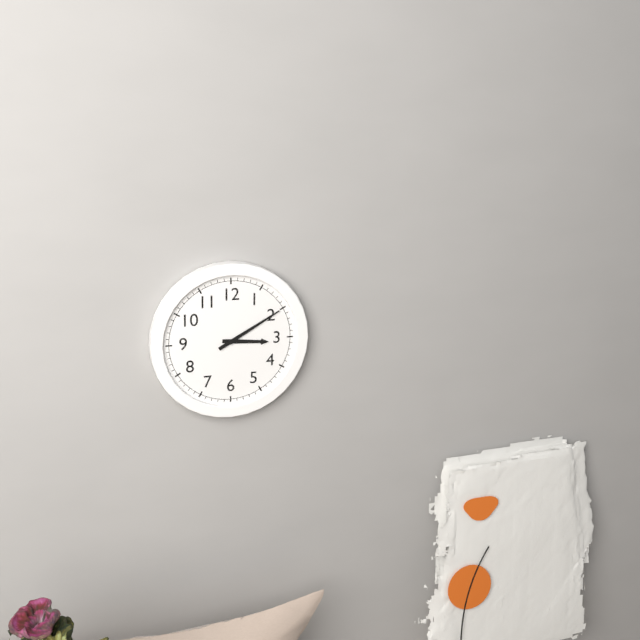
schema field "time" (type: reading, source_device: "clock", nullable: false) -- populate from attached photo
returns 3:10
